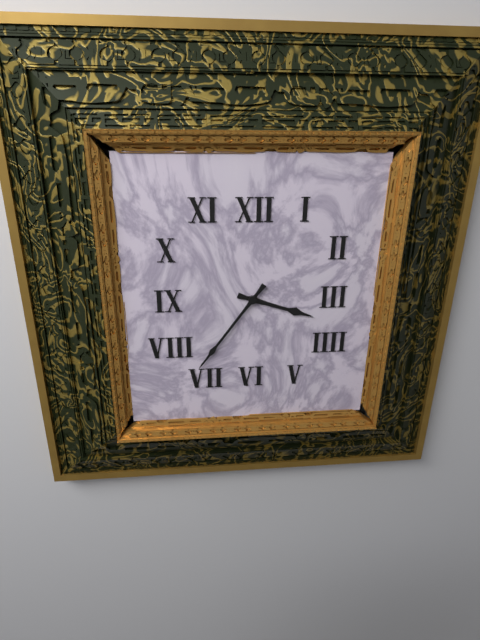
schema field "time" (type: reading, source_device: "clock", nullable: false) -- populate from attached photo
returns 3:36
